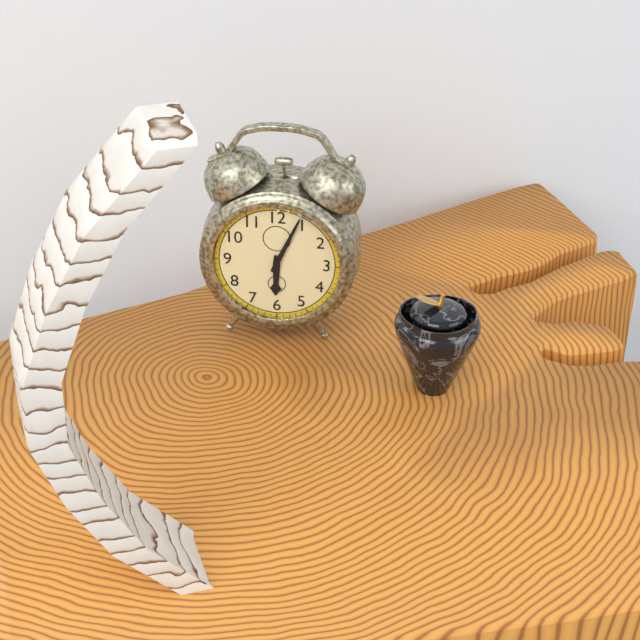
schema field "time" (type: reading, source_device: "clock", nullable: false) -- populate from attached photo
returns 6:04
